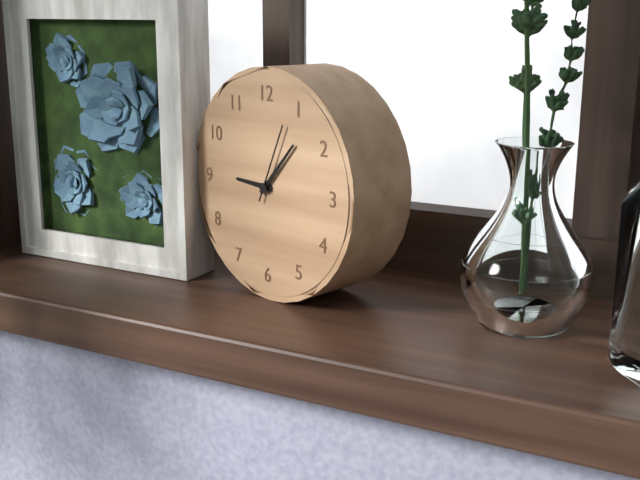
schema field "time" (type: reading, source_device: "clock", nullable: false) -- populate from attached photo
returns 9:07:04
